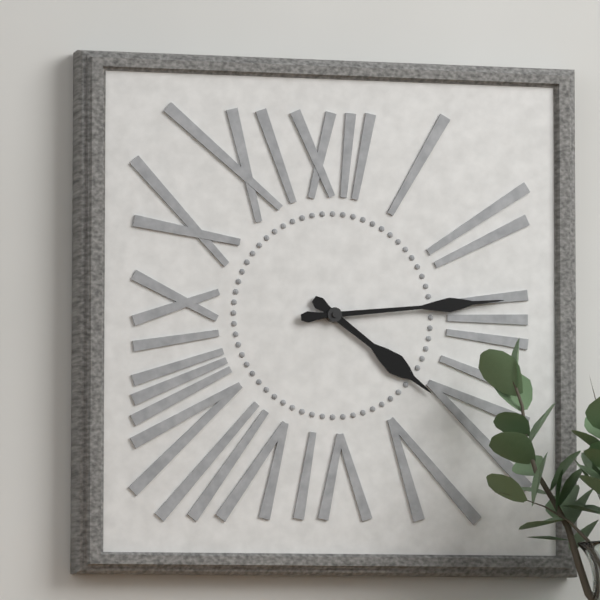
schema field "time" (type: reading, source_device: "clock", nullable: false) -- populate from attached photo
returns 4:14
